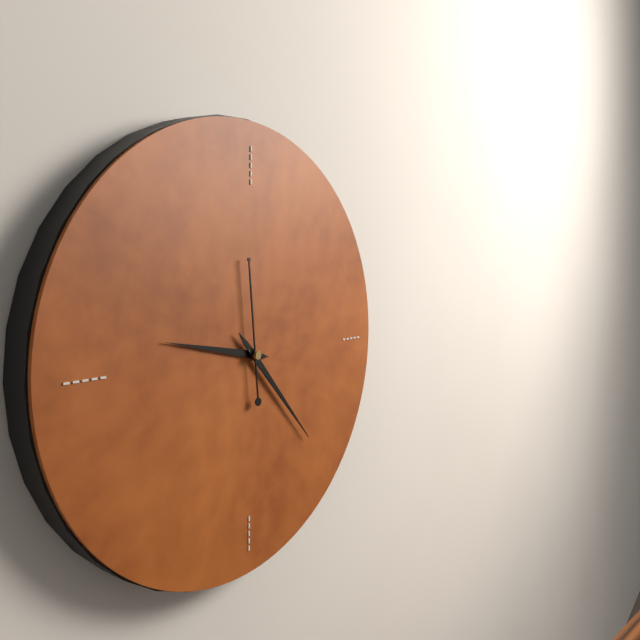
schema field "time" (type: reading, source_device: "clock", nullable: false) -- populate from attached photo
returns 9:23:59
